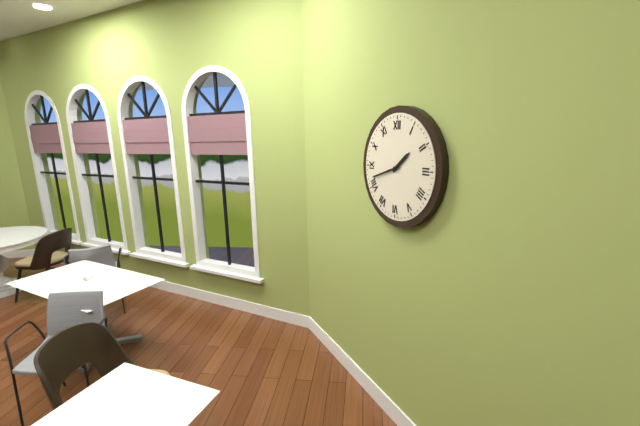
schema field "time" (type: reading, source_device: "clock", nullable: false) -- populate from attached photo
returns 1:42
